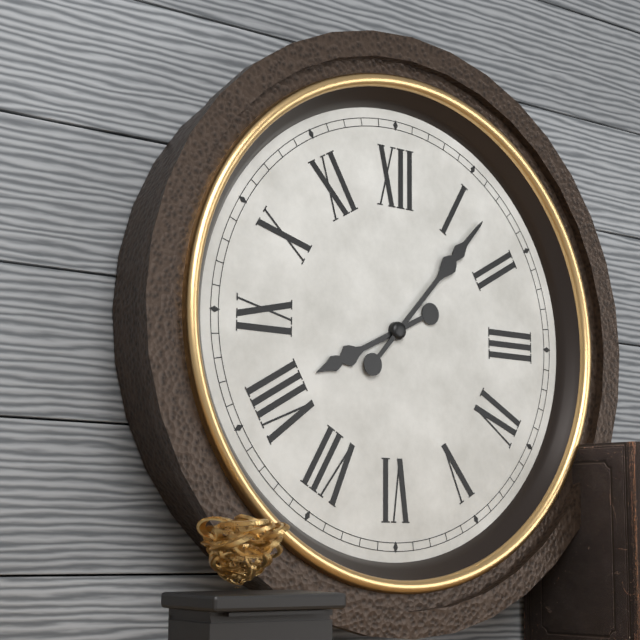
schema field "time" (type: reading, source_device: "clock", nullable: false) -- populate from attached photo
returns 8:07
